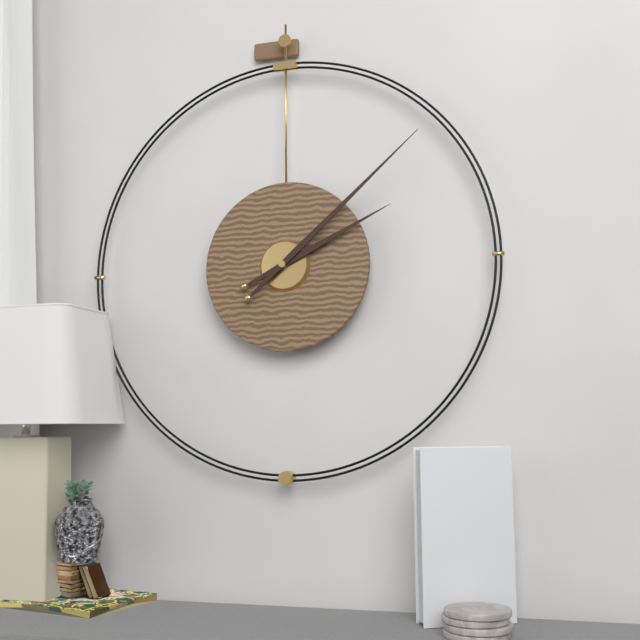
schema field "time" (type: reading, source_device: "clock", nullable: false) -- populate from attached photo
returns 2:08
